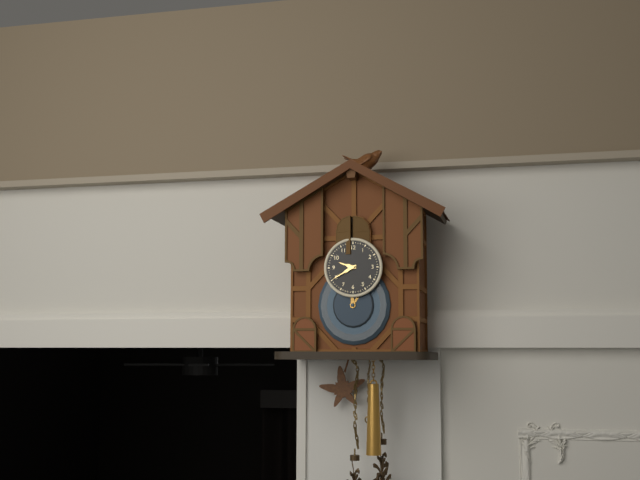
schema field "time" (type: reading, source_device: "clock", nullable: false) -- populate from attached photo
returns 9:40
